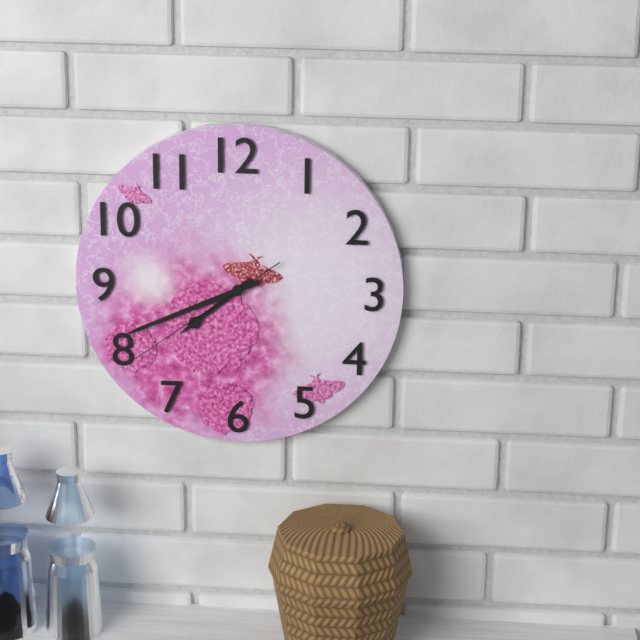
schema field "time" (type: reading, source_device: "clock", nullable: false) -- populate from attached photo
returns 7:41:39
